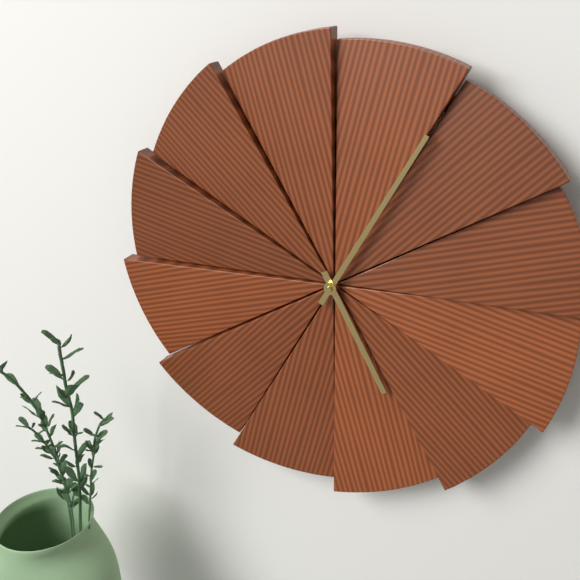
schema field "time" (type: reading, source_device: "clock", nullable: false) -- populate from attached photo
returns 5:05
